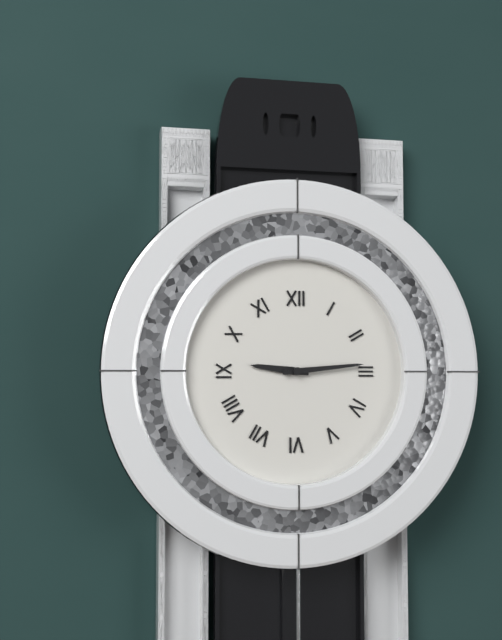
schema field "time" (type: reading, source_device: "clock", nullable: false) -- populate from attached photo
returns 9:14
